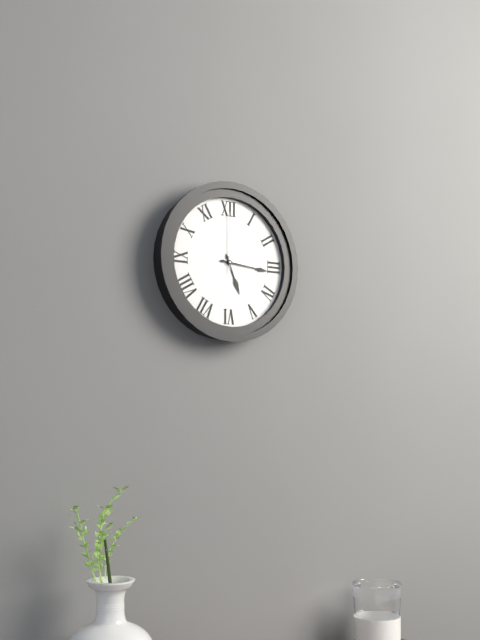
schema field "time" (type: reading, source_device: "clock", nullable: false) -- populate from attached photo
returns 5:16:00
